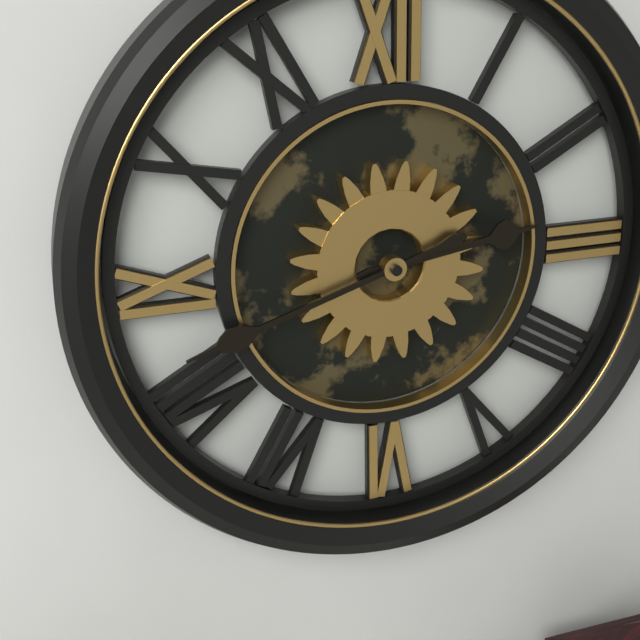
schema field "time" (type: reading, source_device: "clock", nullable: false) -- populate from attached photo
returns 2:42
